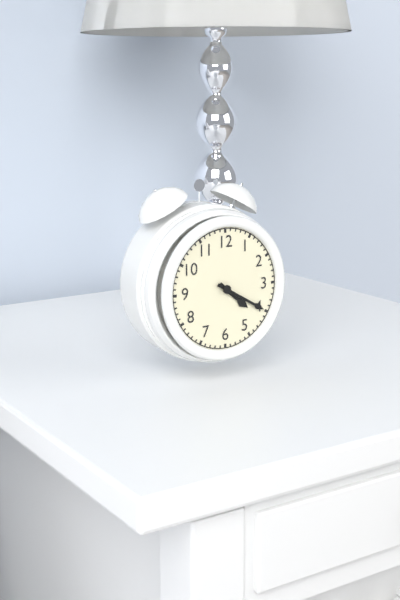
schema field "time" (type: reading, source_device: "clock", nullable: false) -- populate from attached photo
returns 4:20
